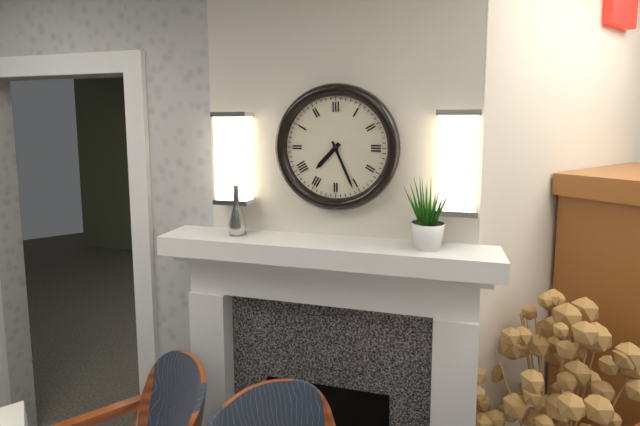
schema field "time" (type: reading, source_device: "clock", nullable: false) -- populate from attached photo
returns 7:26
